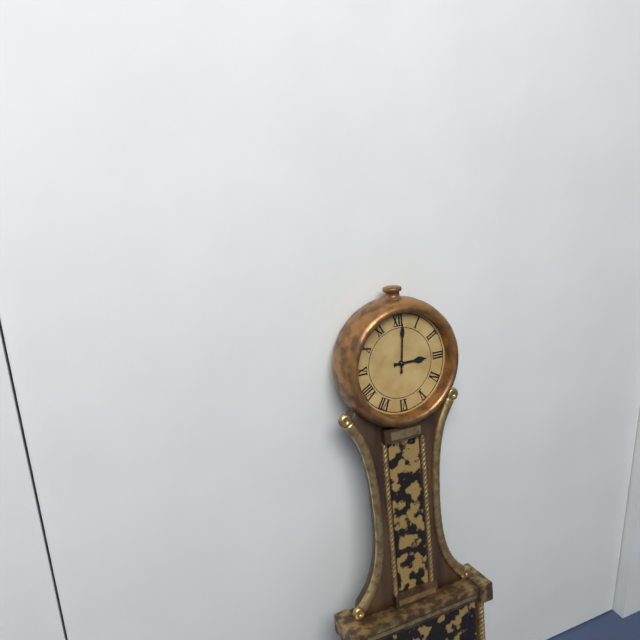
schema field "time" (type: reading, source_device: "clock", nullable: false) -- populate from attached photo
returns 3:01
